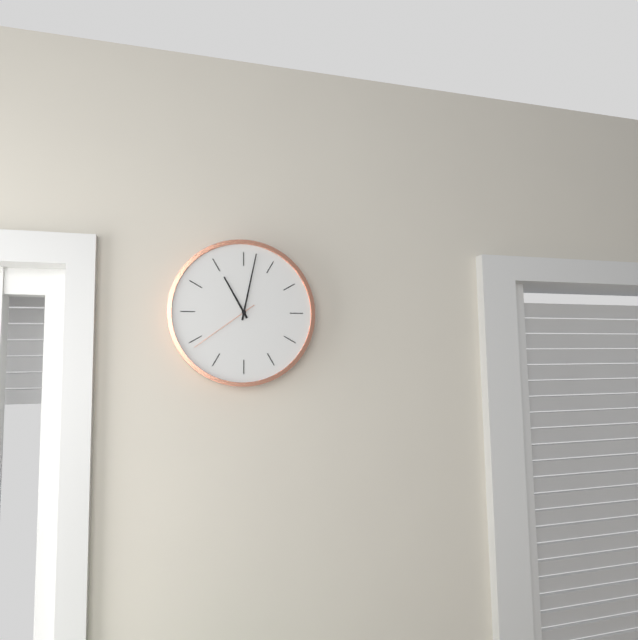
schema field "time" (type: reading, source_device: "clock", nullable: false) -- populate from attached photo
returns 11:02:39
